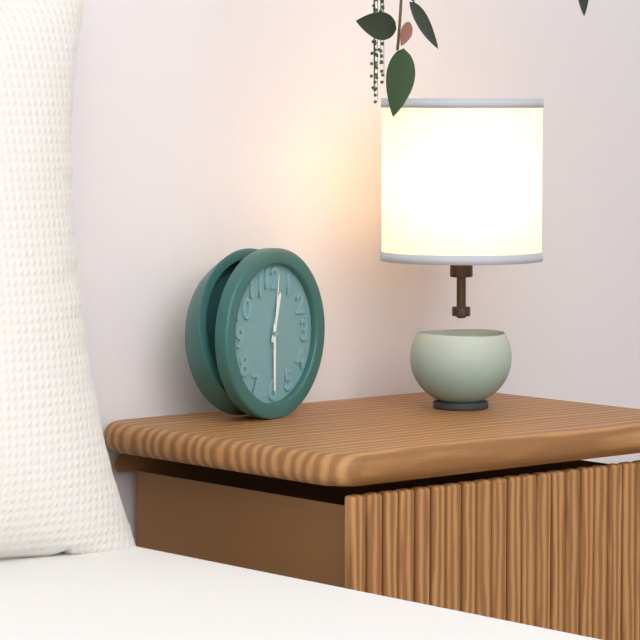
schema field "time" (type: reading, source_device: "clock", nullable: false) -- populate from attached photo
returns 12:30:01
